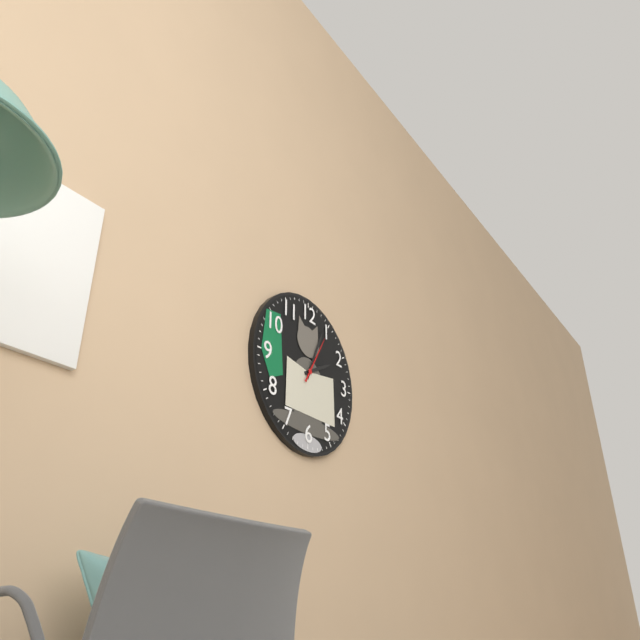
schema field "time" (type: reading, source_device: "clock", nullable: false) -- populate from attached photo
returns 2:04
